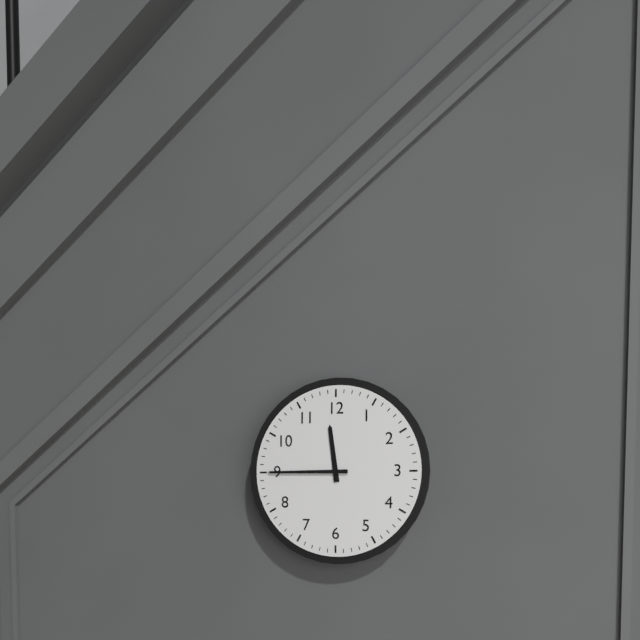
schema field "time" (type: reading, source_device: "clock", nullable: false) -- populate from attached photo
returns 11:45
